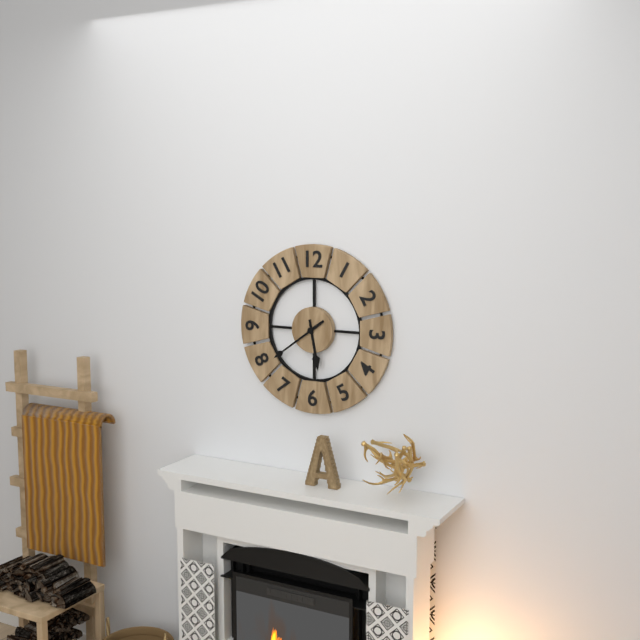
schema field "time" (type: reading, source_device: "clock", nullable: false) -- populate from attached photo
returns 5:39
